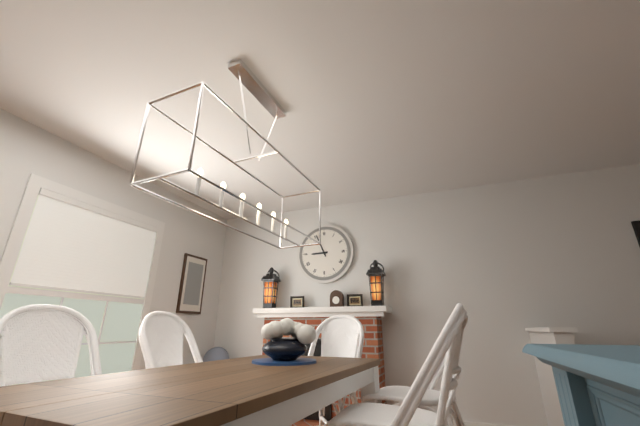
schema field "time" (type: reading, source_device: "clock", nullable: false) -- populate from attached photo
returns 8:56
